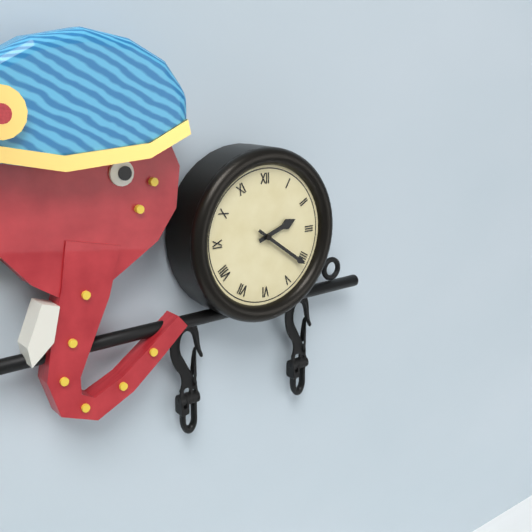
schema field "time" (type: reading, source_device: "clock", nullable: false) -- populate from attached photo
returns 2:21
